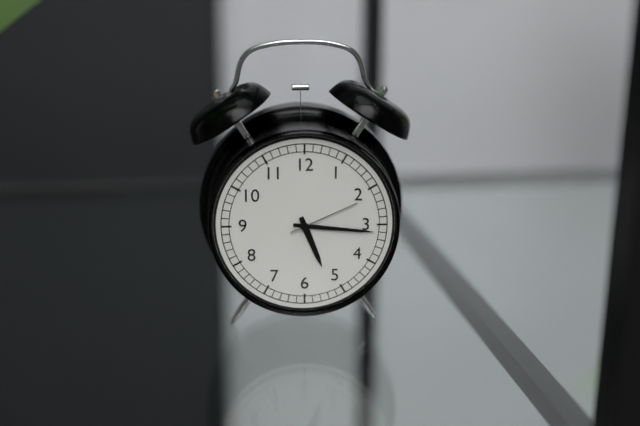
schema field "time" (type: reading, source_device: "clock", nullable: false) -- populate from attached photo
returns 5:16:11
